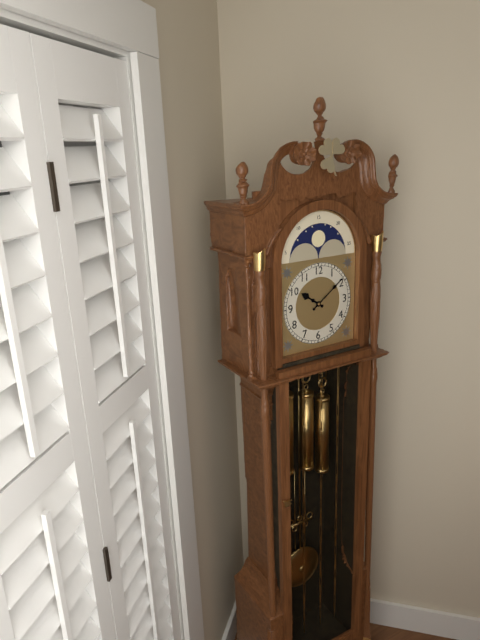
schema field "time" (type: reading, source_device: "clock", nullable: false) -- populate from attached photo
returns 10:09
